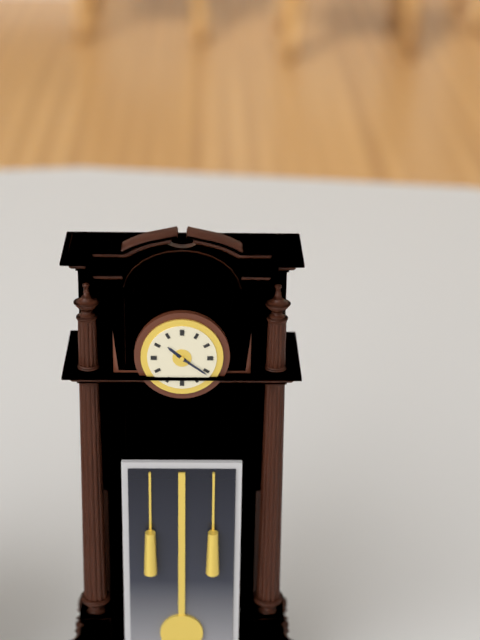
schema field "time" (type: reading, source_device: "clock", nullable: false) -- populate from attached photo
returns 10:21
